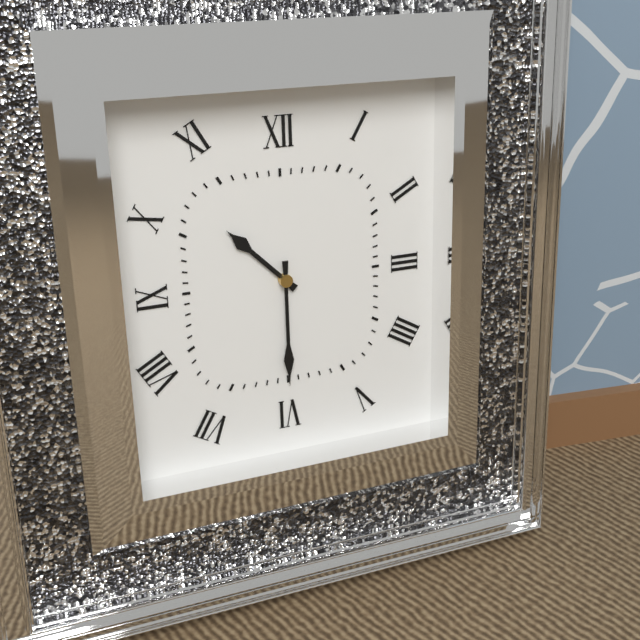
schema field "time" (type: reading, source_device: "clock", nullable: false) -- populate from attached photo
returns 10:30
